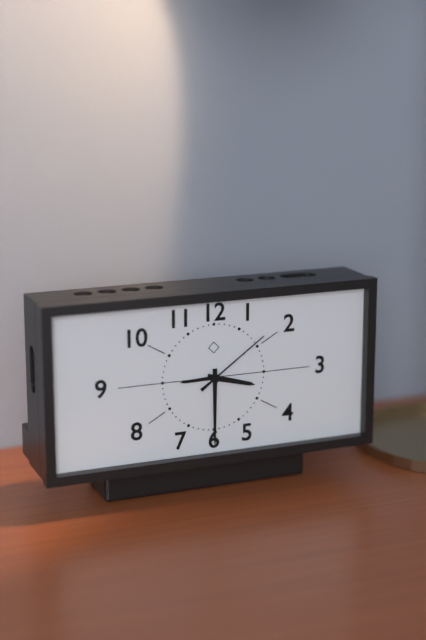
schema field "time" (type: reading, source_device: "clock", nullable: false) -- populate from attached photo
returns 3:30:09
